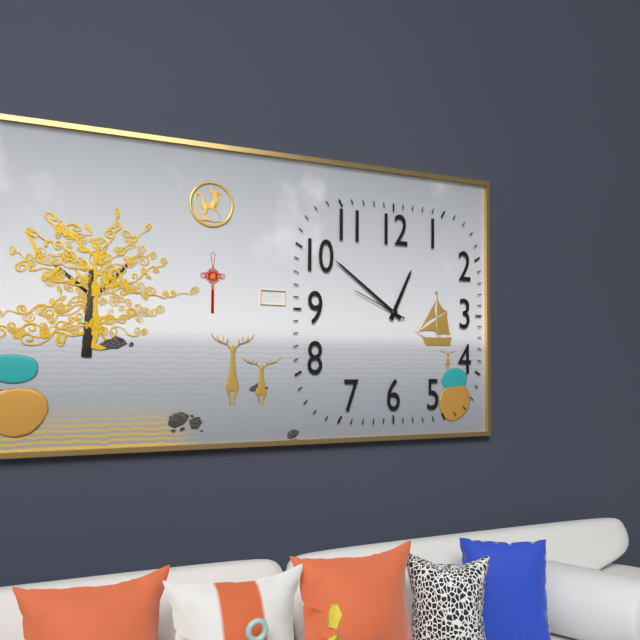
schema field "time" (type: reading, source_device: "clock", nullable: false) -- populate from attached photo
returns 12:51:49
